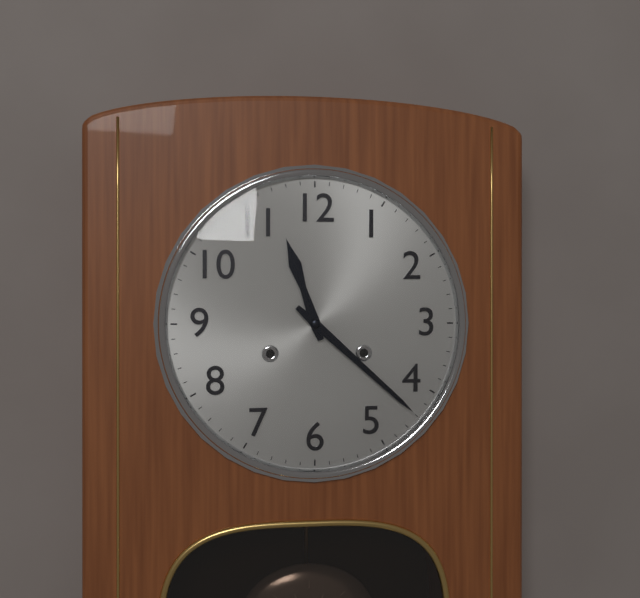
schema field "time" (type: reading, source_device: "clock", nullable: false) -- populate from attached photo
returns 11:22
